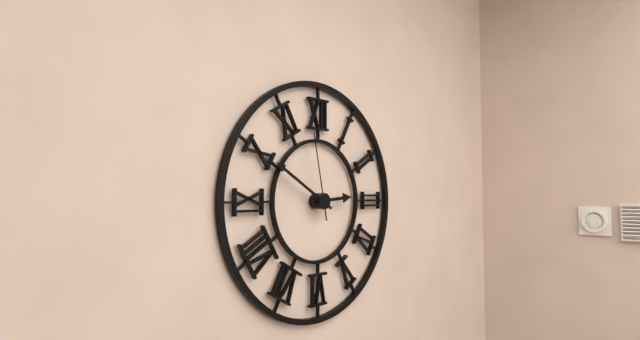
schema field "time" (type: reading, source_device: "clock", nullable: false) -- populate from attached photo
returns 2:50:58
